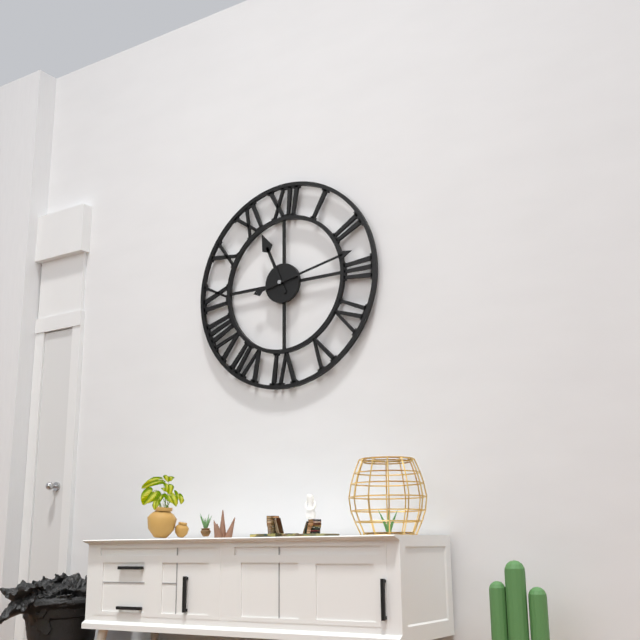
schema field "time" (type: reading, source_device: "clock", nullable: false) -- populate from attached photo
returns 11:13
